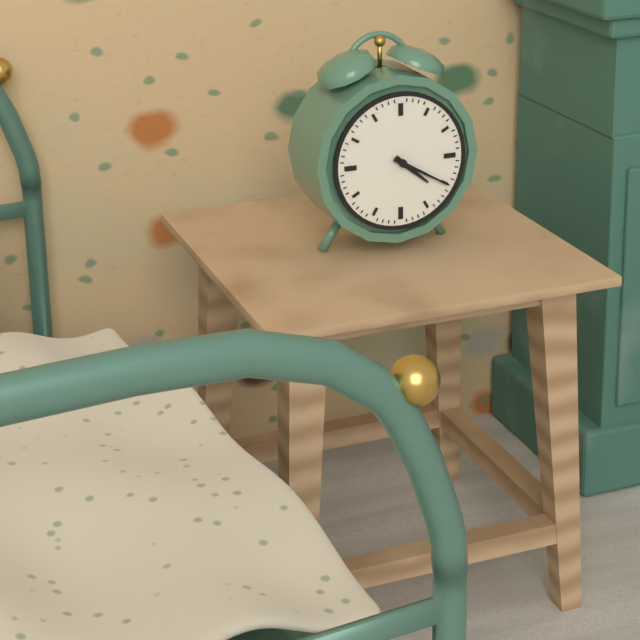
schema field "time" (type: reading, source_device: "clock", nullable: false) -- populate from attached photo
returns 4:20
